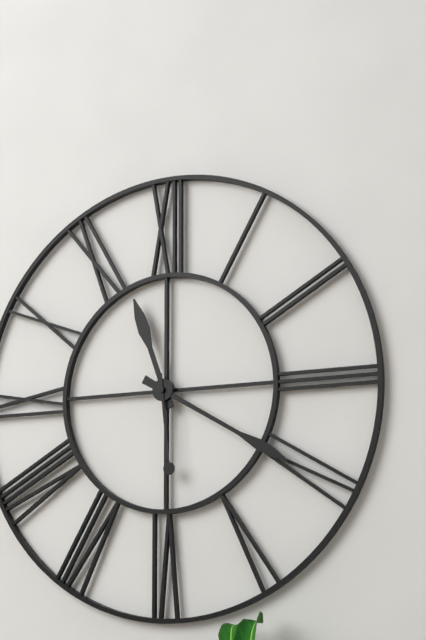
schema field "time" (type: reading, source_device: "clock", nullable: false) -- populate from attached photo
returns 11:20:29
